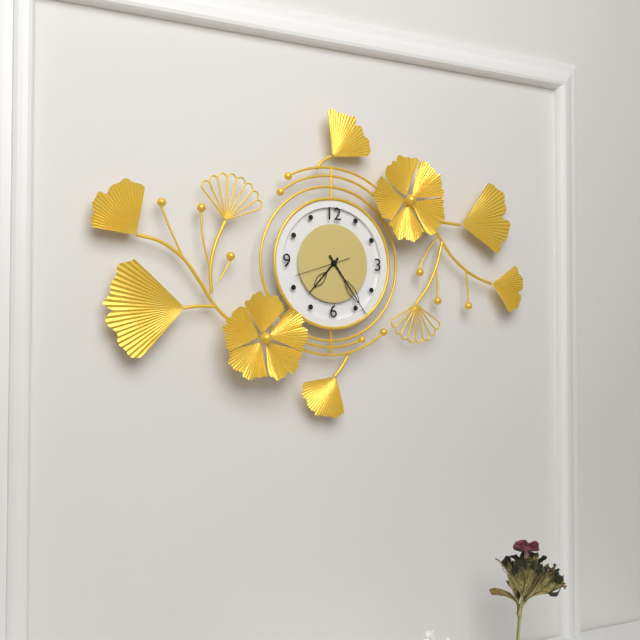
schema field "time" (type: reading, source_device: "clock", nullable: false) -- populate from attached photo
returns 7:24:42
